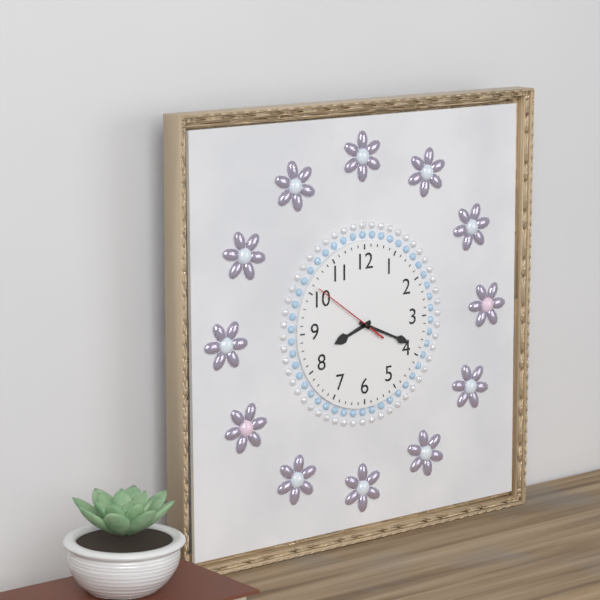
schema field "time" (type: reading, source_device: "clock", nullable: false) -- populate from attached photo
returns 8:19:51
